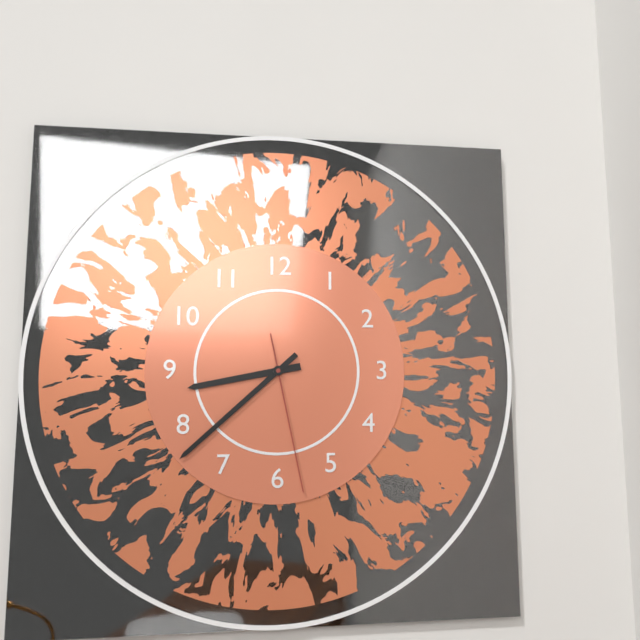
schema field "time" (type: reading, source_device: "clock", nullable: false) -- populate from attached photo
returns 8:38:28
